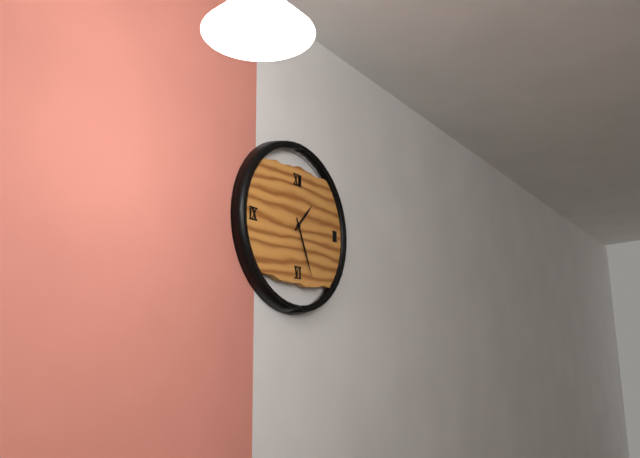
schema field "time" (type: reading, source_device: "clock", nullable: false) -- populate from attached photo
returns 1:26
